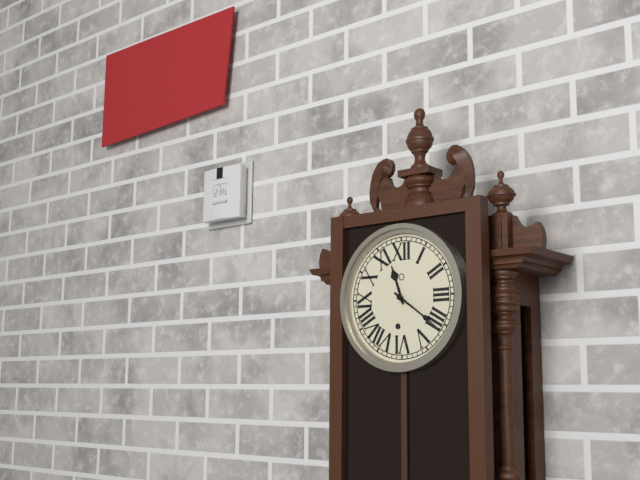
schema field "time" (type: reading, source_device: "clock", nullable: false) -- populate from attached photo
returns 11:21
